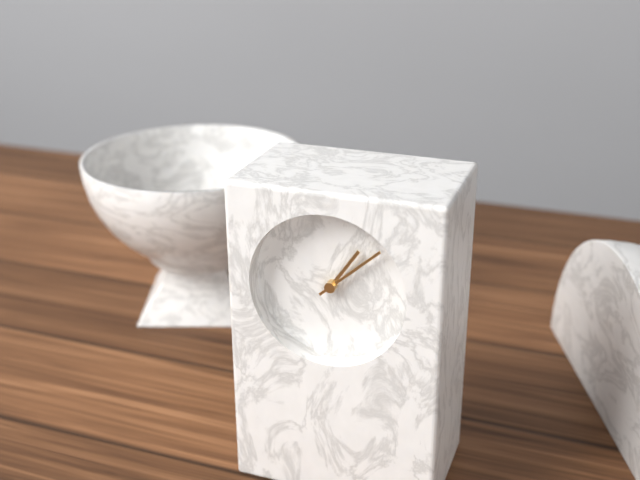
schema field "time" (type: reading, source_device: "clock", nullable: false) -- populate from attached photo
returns 1:08
